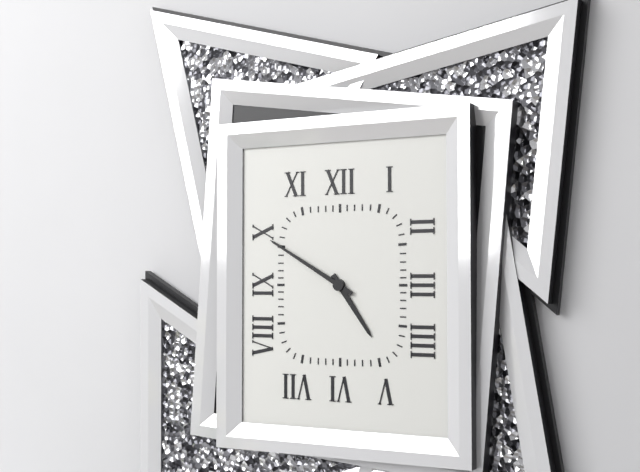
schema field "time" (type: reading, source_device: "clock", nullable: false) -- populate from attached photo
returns 4:50
